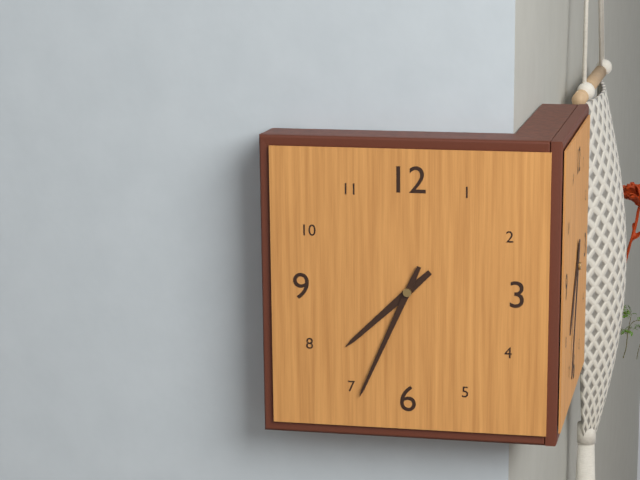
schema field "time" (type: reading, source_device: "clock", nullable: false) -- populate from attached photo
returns 7:34
